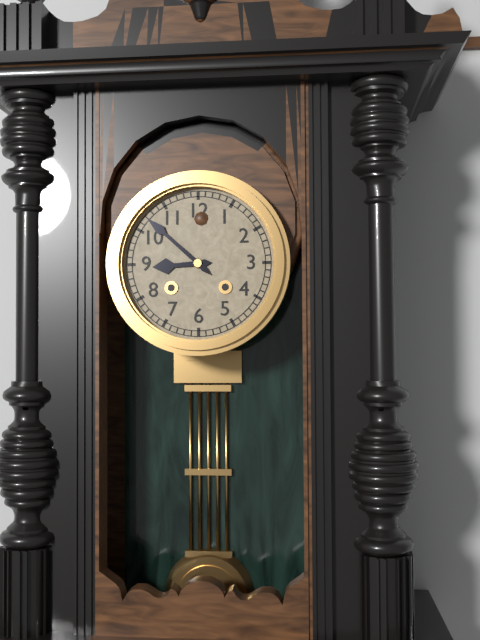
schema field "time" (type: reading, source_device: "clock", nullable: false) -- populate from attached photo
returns 8:52
